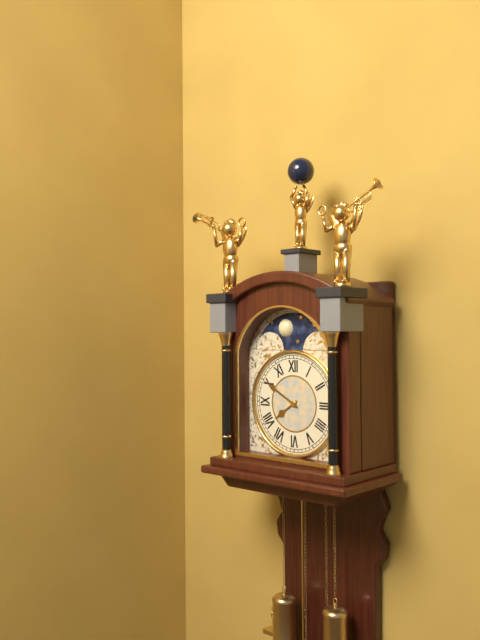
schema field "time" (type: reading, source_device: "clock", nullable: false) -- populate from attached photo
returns 7:50
